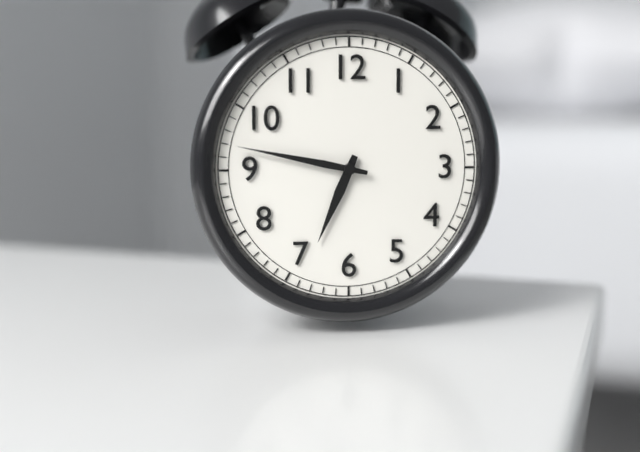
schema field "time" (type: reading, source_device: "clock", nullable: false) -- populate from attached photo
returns 6:47
